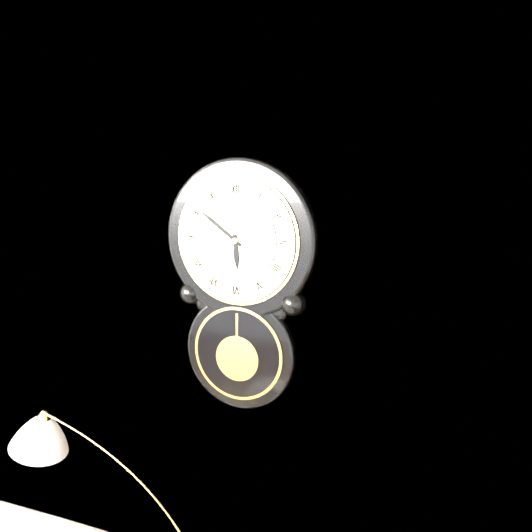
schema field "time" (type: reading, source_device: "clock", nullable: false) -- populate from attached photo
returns 5:51
